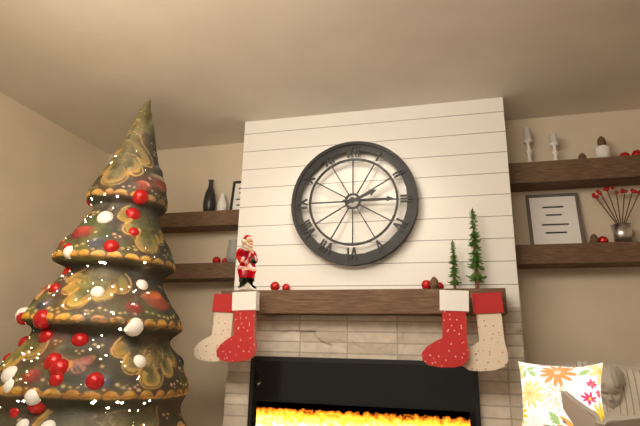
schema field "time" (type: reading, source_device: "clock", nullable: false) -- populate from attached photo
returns 2:15
